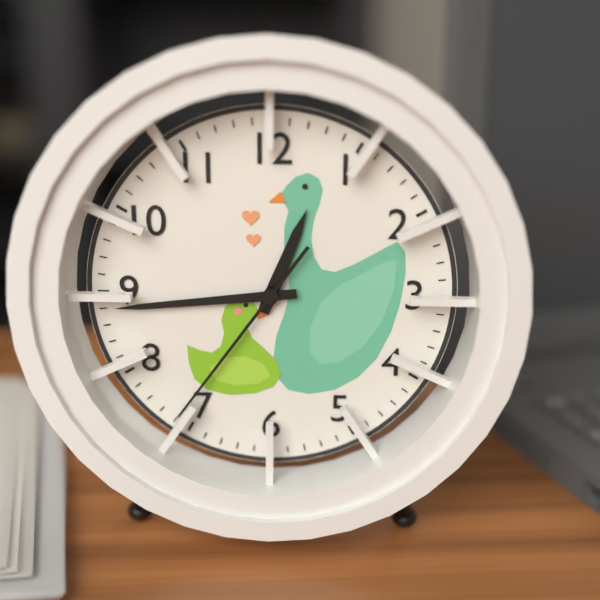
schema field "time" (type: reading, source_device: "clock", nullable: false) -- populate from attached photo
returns 12:44:36
